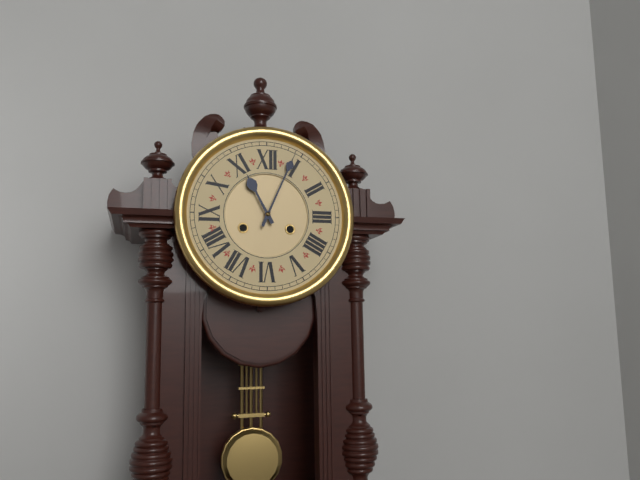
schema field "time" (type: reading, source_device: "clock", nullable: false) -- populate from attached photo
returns 11:04
